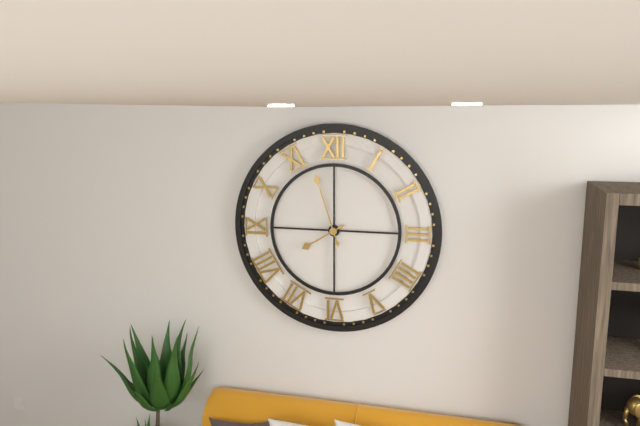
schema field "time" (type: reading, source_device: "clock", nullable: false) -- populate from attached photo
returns 7:57
